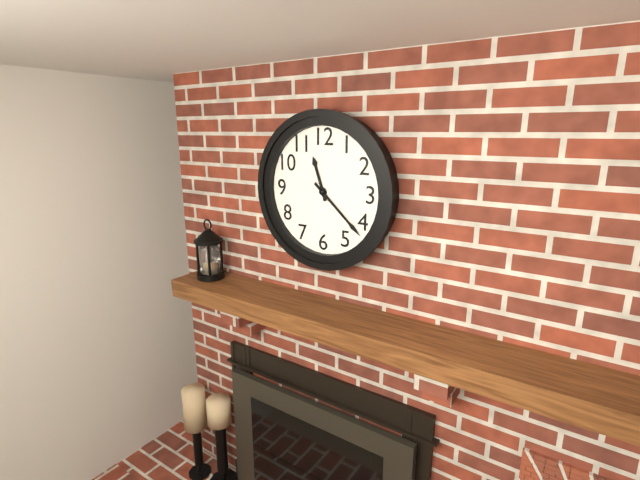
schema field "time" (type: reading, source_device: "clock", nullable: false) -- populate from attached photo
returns 11:22
